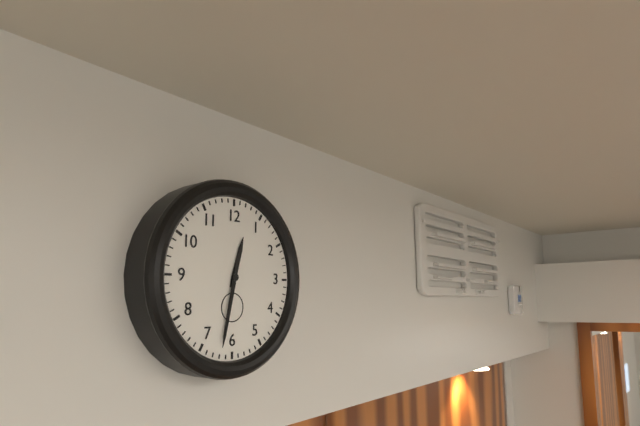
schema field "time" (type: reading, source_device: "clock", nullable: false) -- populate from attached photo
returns 12:32
